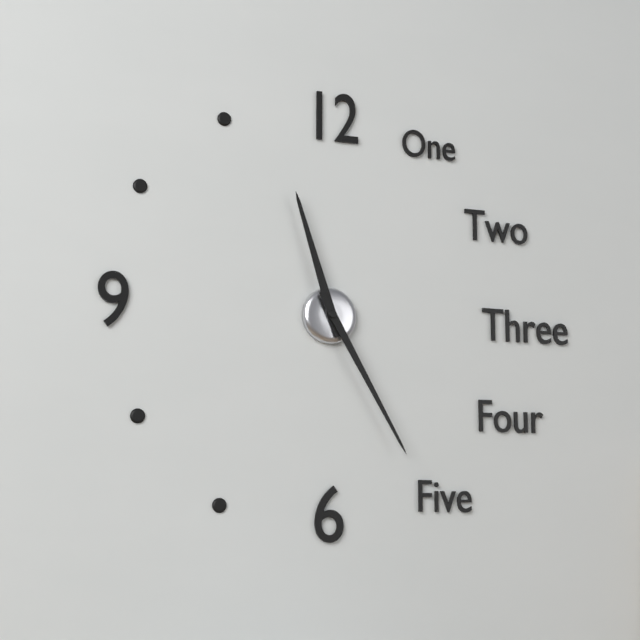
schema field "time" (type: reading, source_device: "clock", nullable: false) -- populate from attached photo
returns 11:25
